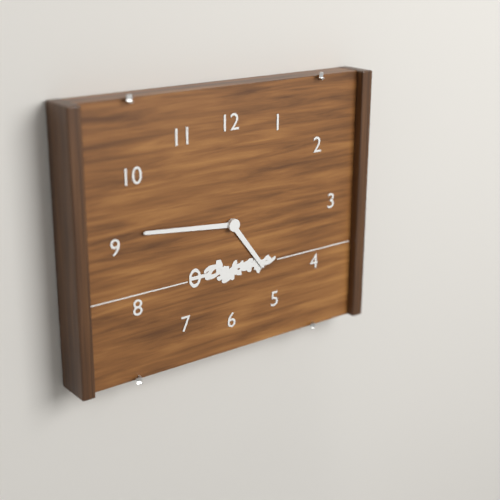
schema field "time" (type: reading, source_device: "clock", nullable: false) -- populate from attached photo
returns 4:46
